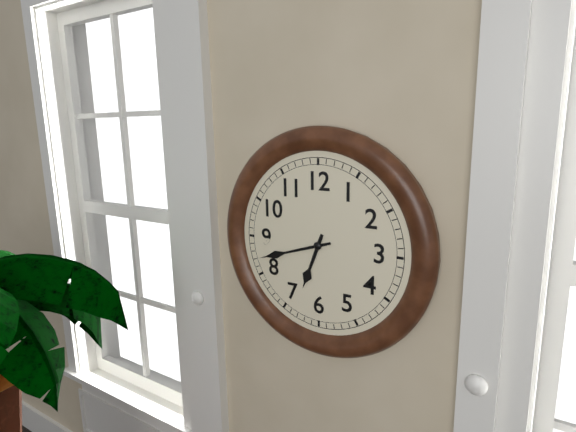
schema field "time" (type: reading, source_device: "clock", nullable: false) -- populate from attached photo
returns 6:42
